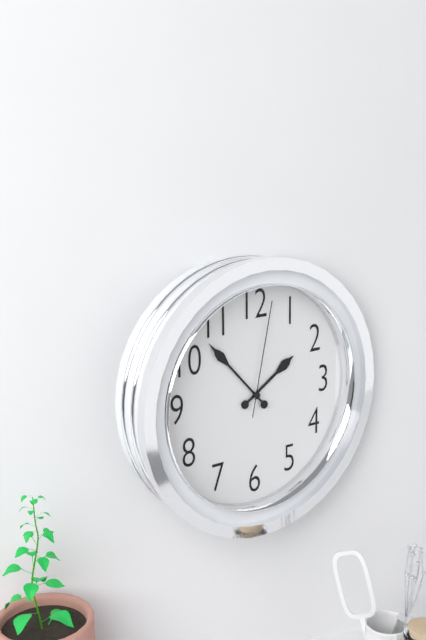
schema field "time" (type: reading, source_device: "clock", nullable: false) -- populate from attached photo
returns 1:53:02
